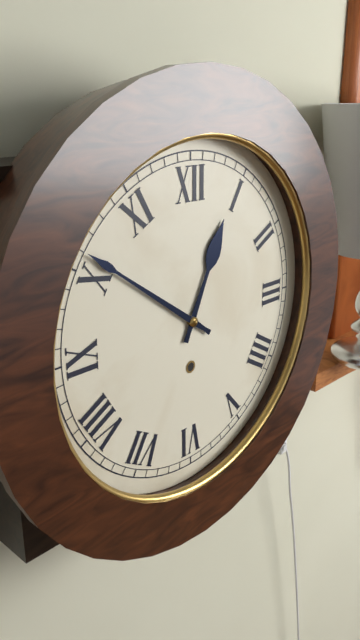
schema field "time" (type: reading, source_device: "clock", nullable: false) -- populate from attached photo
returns 12:51
